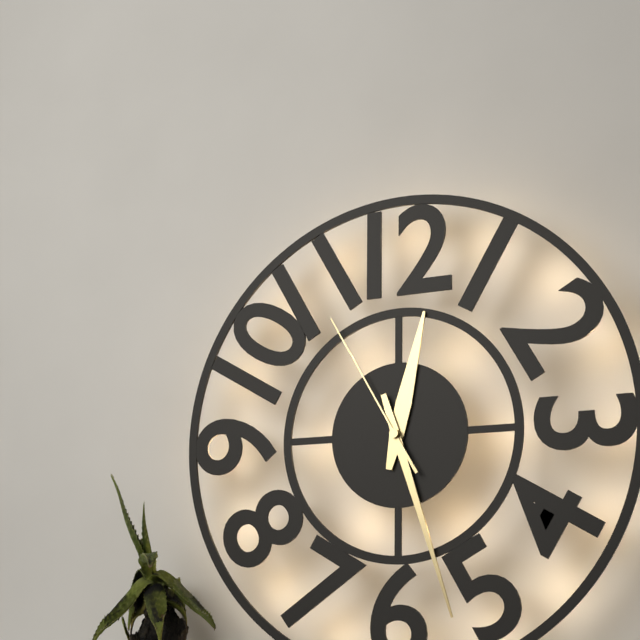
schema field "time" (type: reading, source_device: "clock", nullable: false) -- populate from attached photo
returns 12:27:55
